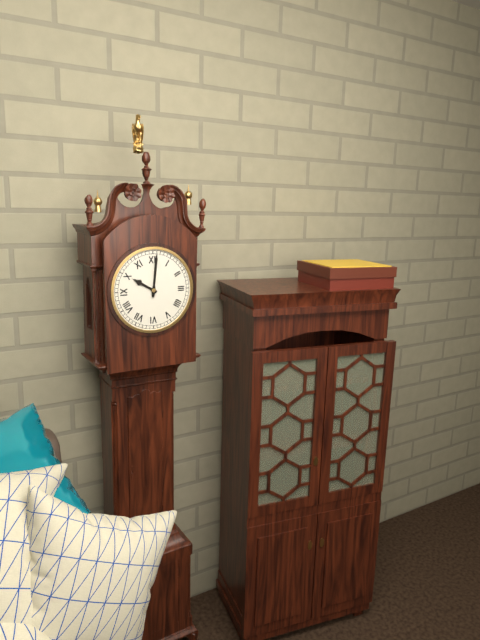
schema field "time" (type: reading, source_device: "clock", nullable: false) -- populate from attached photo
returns 10:01
